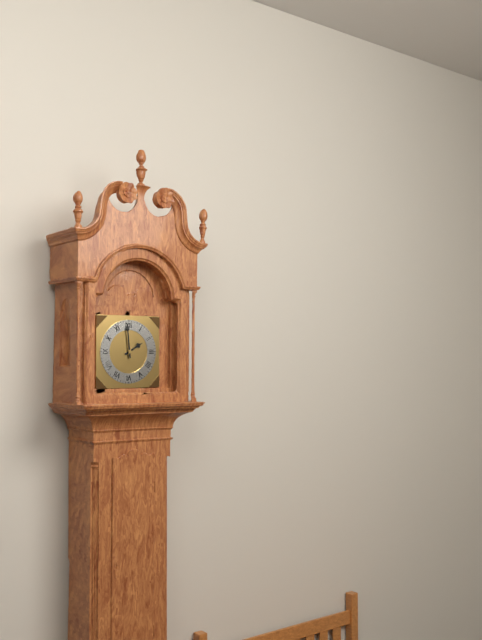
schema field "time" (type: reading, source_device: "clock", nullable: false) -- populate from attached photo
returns 1:59
